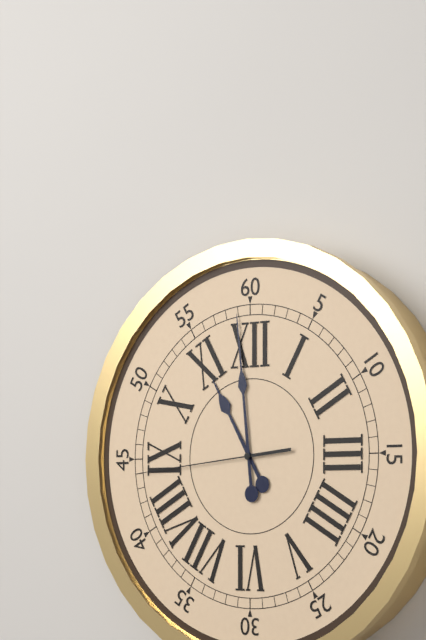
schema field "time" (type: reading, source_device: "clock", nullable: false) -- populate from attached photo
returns 10:59:44
